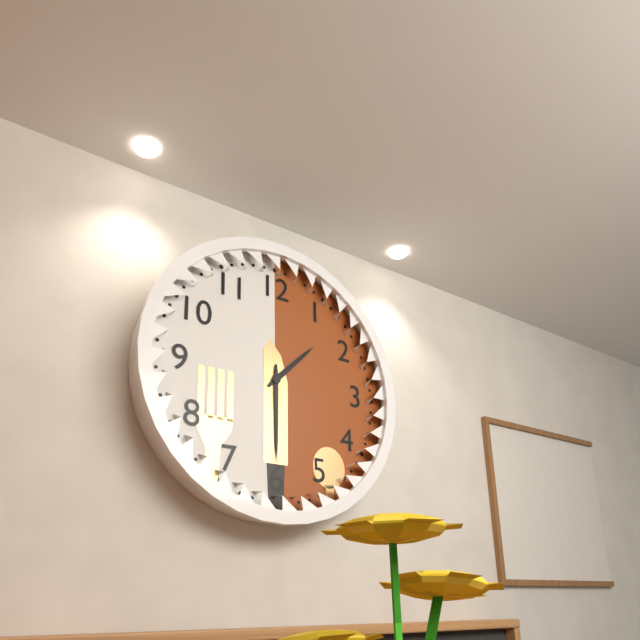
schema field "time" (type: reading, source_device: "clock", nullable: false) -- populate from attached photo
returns 1:30
